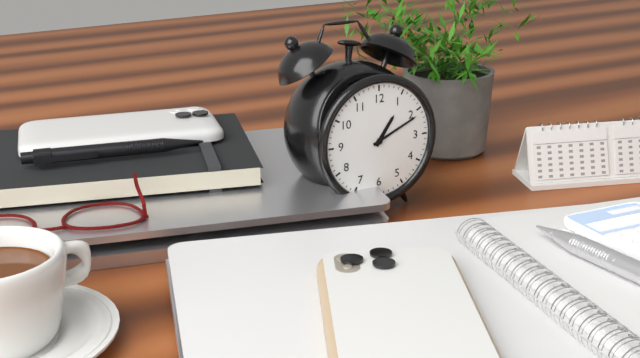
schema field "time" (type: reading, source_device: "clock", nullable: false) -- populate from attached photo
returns 1:11
